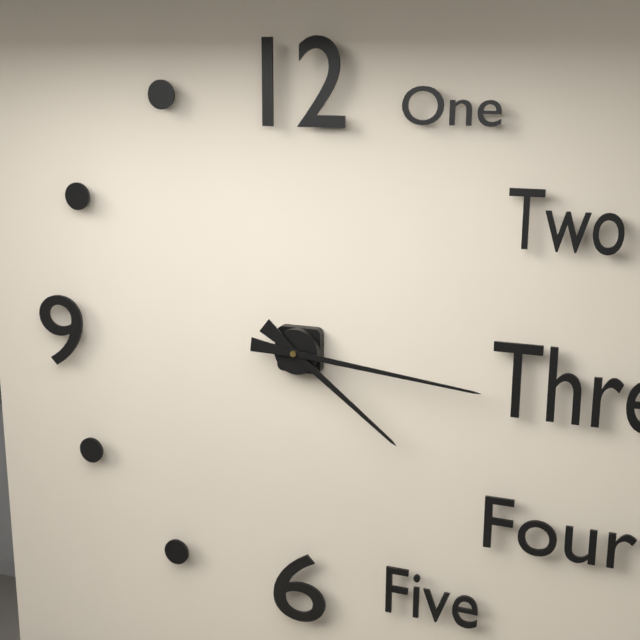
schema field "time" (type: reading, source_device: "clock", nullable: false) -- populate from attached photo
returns 4:16
